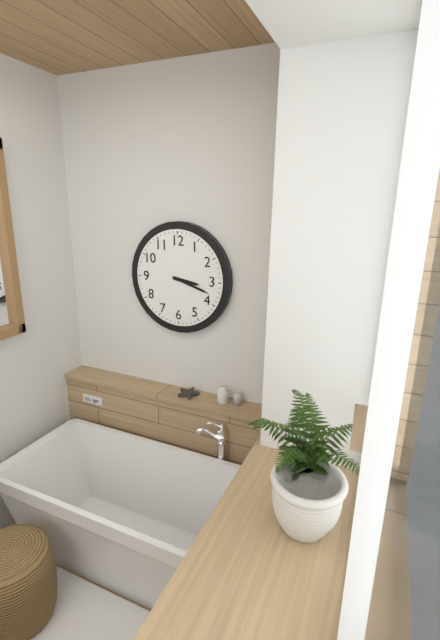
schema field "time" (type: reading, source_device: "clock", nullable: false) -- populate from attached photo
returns 3:18
